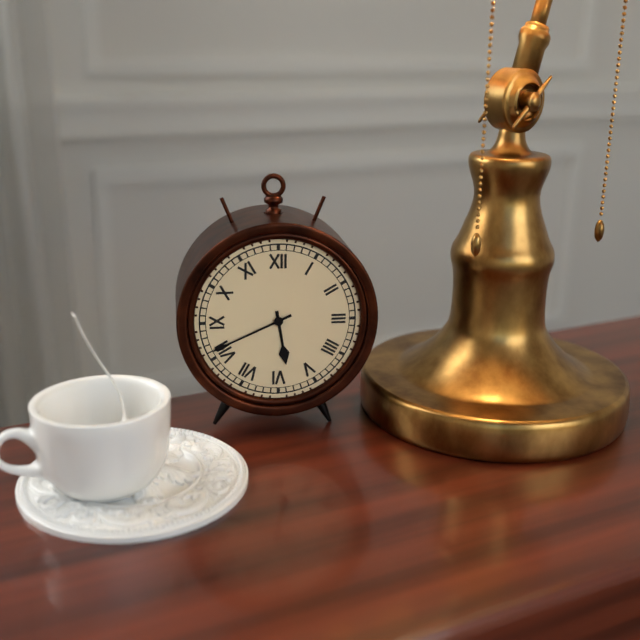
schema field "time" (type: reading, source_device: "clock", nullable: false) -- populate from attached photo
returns 5:41
